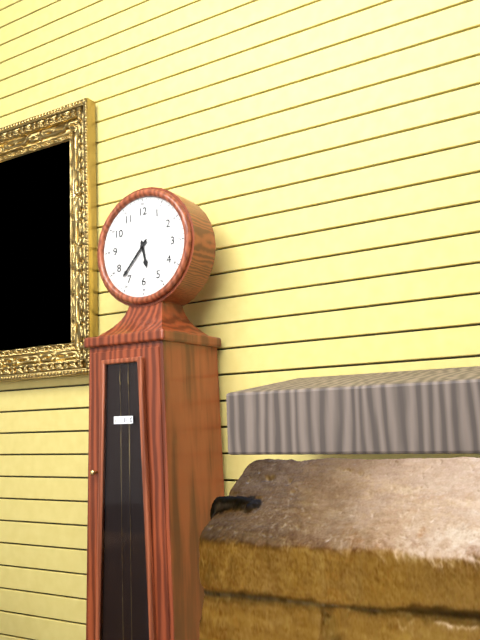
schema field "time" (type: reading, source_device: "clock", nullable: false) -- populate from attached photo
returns 5:37
